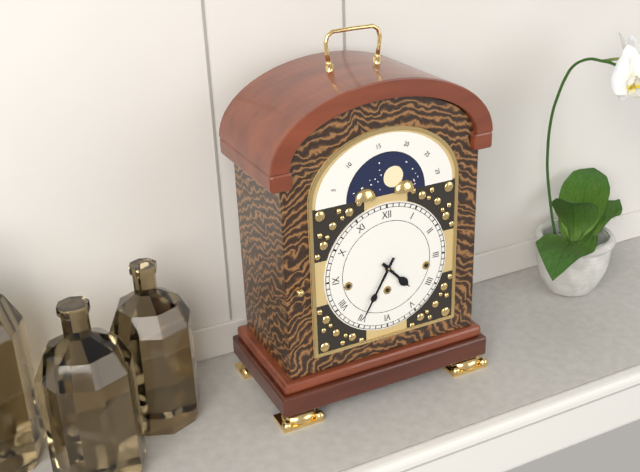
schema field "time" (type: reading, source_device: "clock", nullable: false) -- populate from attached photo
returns 4:35
